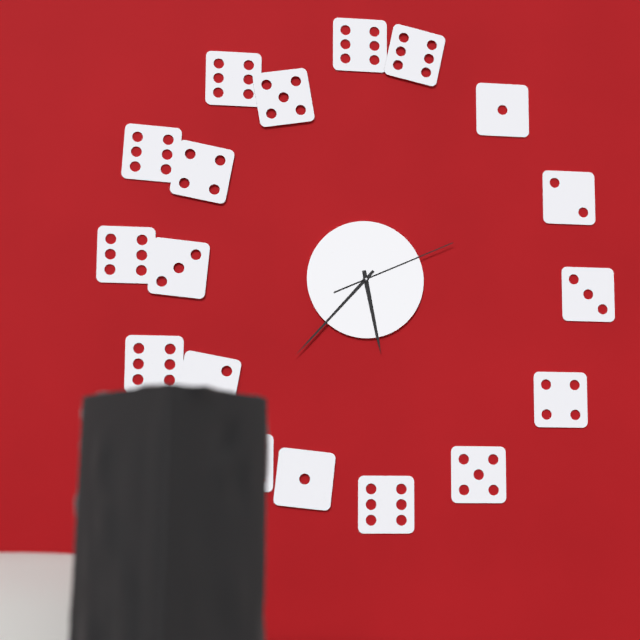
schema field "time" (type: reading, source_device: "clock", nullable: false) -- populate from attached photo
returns 5:37:11
